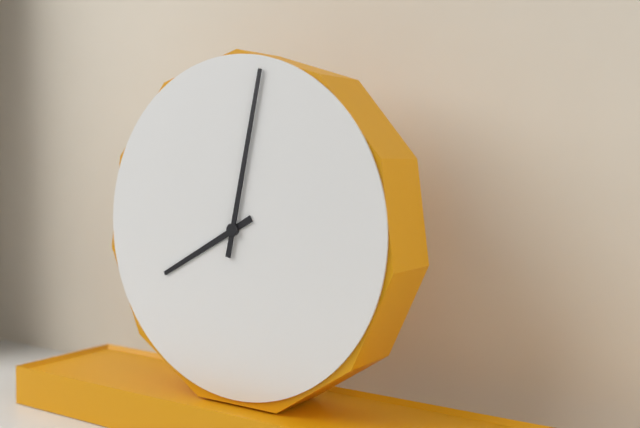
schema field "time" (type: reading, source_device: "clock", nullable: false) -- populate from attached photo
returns 8:02
